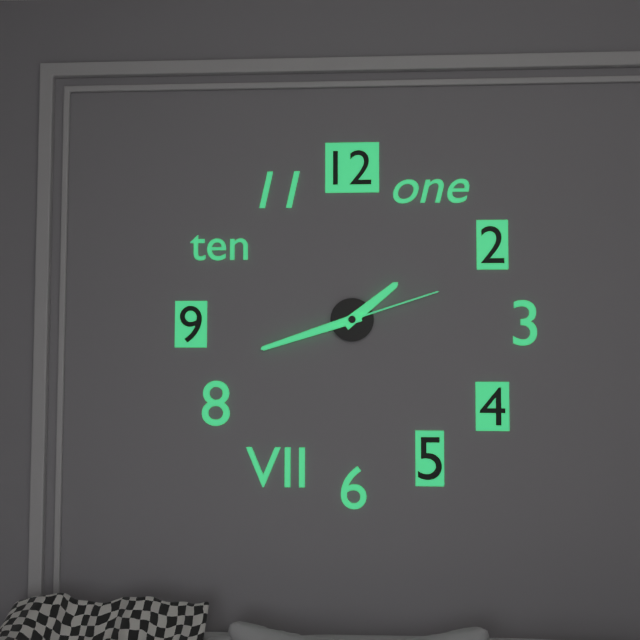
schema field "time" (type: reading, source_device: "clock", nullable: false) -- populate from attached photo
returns 1:42:12
